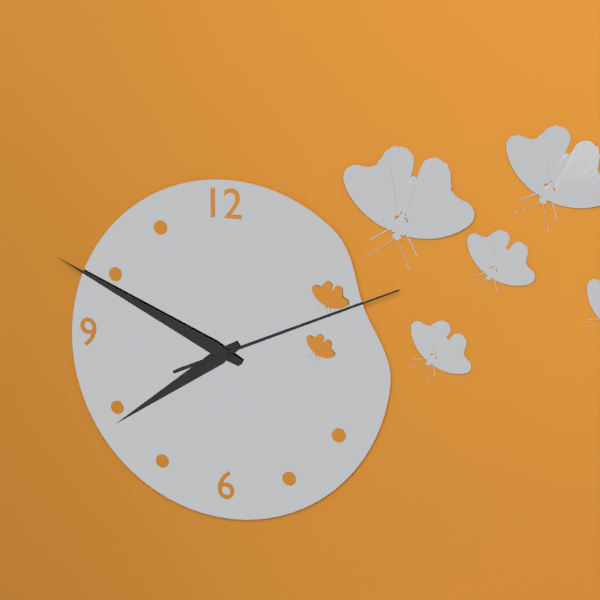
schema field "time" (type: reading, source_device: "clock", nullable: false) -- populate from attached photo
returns 7:49:11
